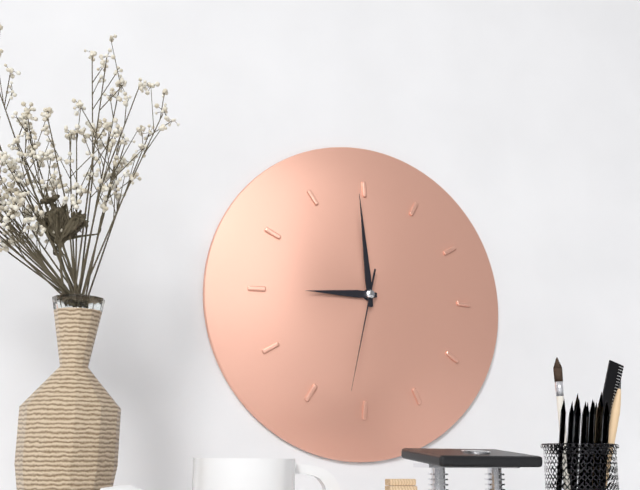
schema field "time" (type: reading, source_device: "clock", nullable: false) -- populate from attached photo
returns 8:59:32
